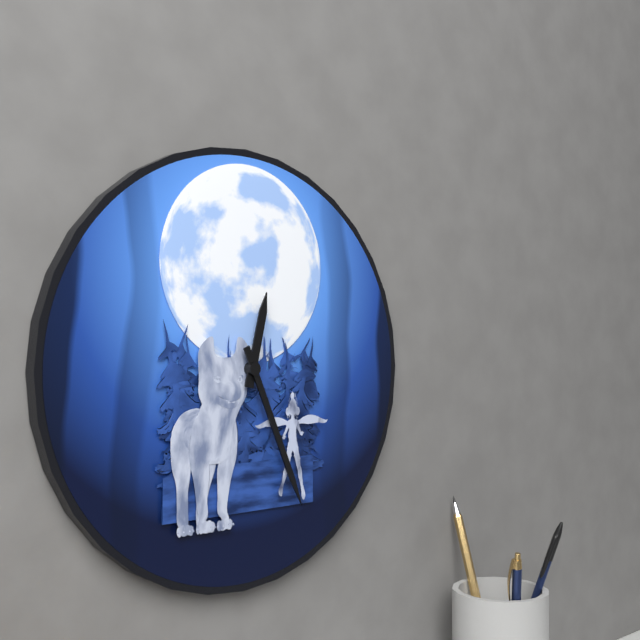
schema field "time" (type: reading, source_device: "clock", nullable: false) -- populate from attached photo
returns 12:26
